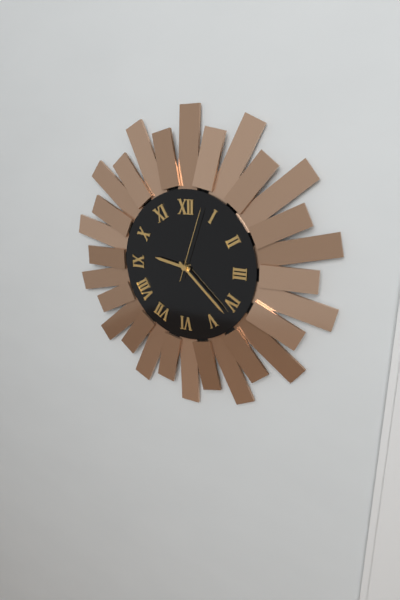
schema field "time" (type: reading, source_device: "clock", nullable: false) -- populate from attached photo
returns 9:22:03
